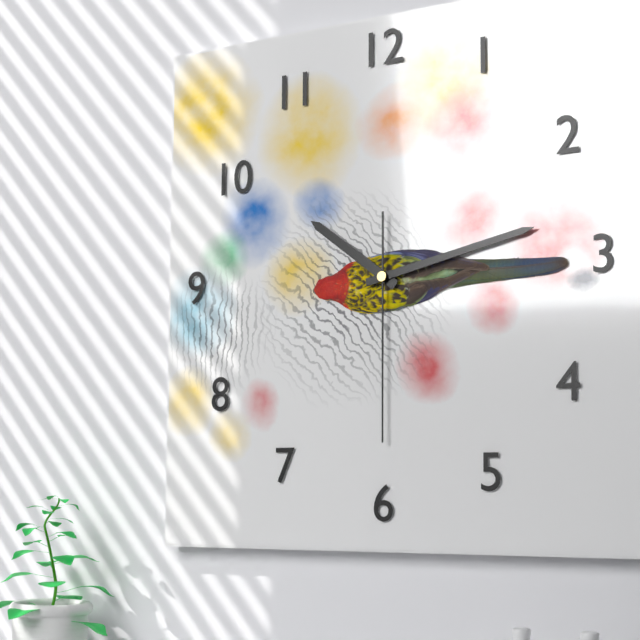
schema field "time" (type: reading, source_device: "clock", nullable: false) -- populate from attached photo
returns 10:13:30
